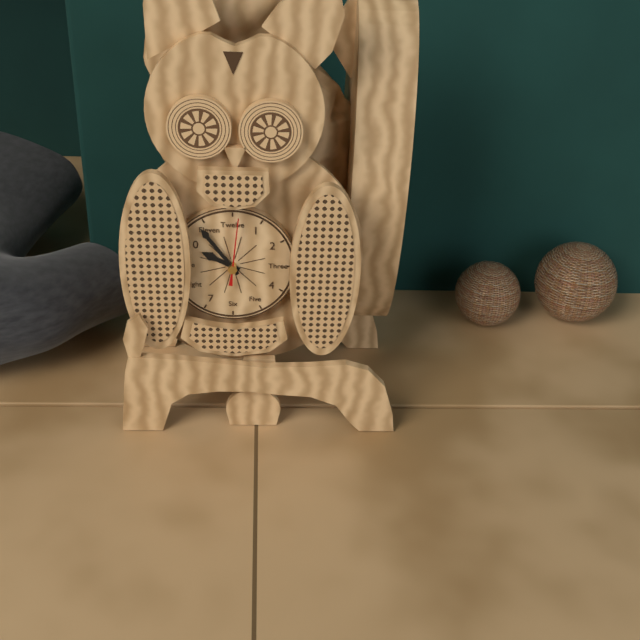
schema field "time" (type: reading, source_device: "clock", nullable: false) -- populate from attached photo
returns 9:54:01
